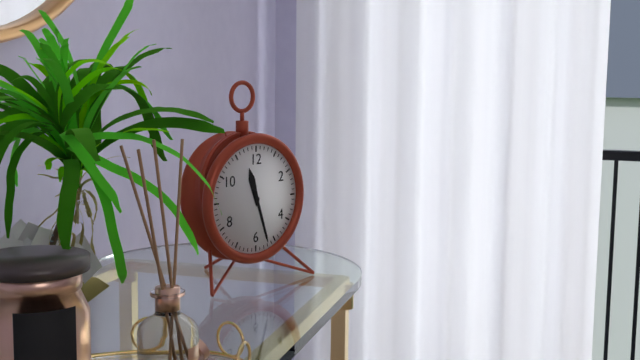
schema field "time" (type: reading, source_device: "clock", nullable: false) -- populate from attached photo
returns 11:27
